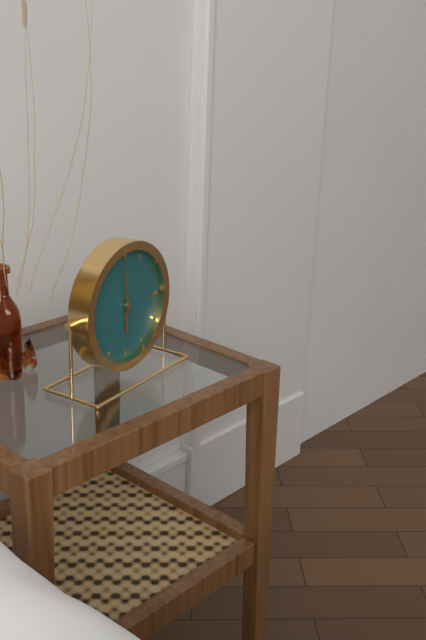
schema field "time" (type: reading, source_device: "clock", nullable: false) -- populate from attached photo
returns 5:59
